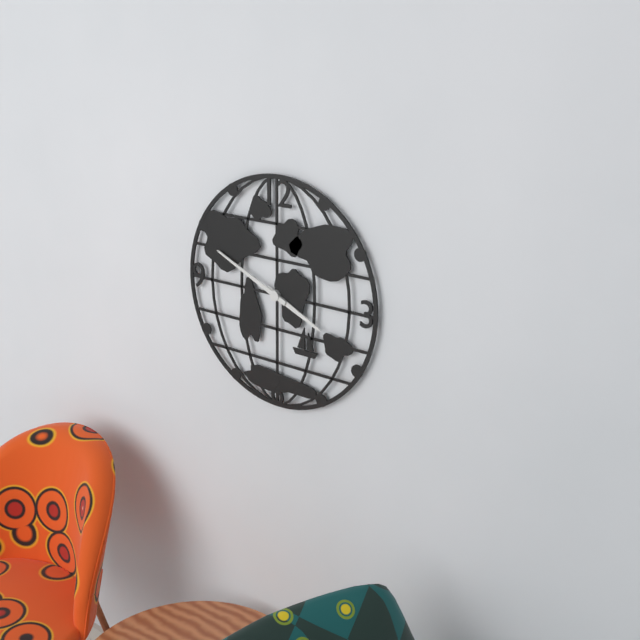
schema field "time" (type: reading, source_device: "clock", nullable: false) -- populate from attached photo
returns 3:49
